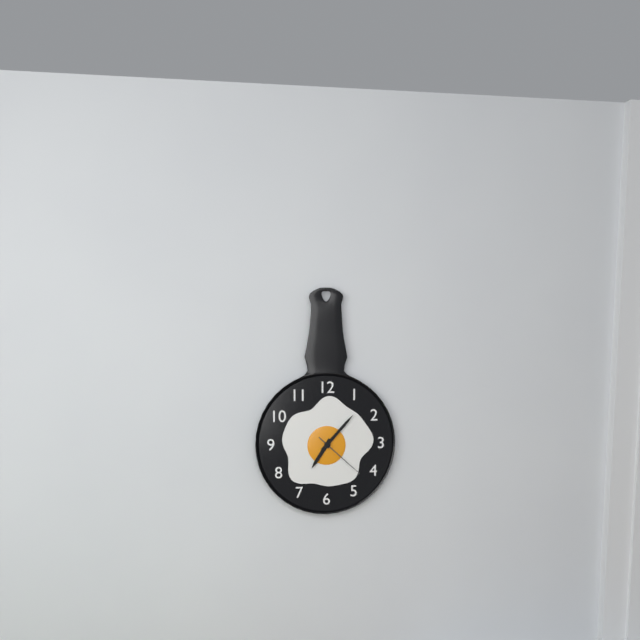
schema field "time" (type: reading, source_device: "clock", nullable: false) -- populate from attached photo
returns 7:07:22
